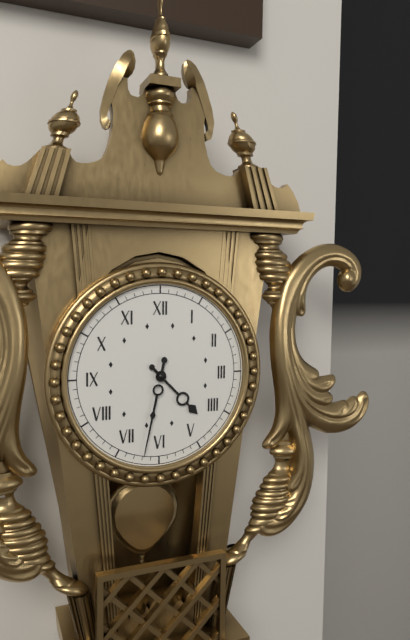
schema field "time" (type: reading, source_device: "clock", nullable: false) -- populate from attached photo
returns 4:32
